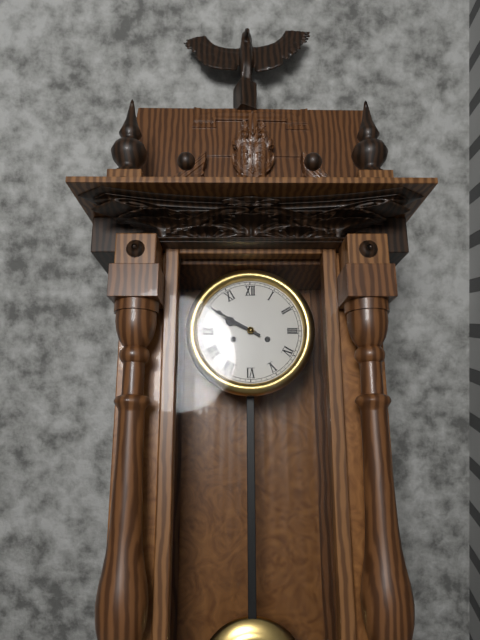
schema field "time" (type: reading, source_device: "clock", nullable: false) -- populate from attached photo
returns 9:50
